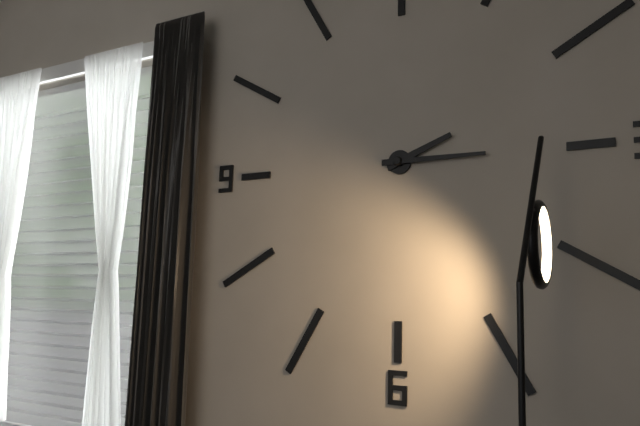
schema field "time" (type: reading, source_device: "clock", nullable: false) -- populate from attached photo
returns 2:15
